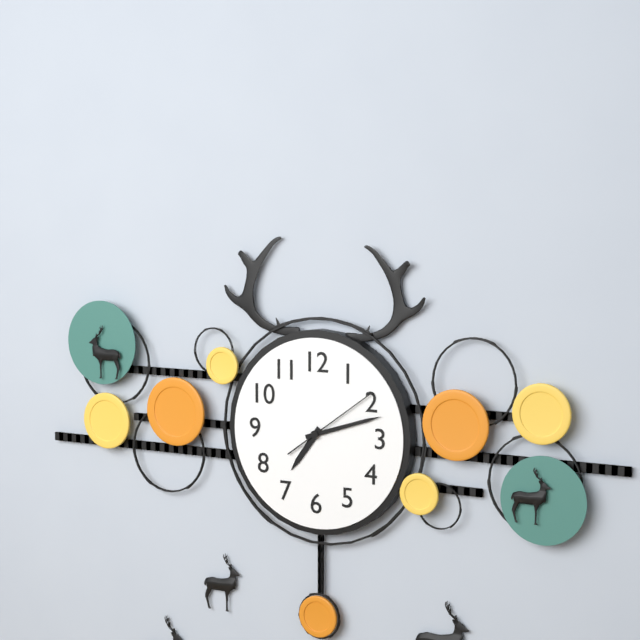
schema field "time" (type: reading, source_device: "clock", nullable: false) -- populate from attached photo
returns 7:12:09
